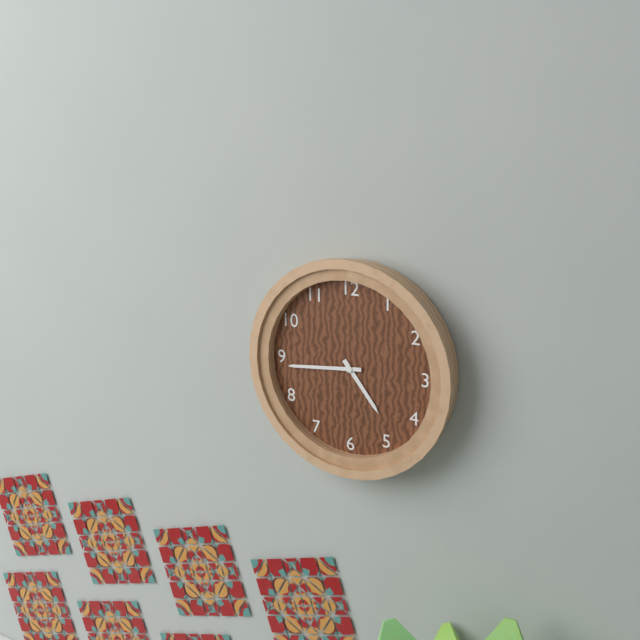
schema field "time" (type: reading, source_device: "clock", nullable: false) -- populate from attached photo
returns 4:44
